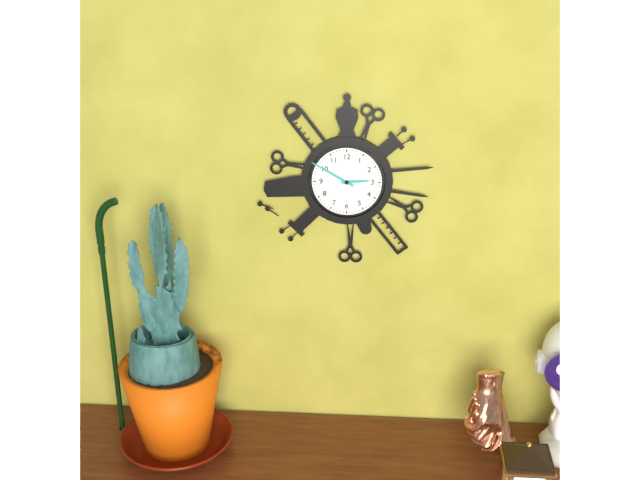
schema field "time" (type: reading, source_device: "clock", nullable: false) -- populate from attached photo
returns 2:50
